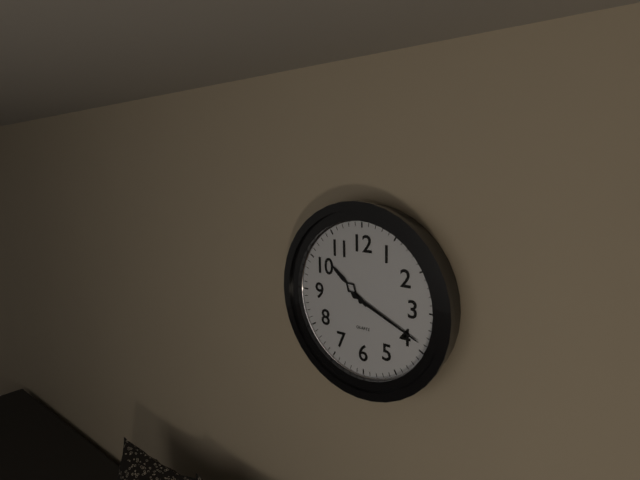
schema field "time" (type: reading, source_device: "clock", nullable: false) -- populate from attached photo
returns 10:19
